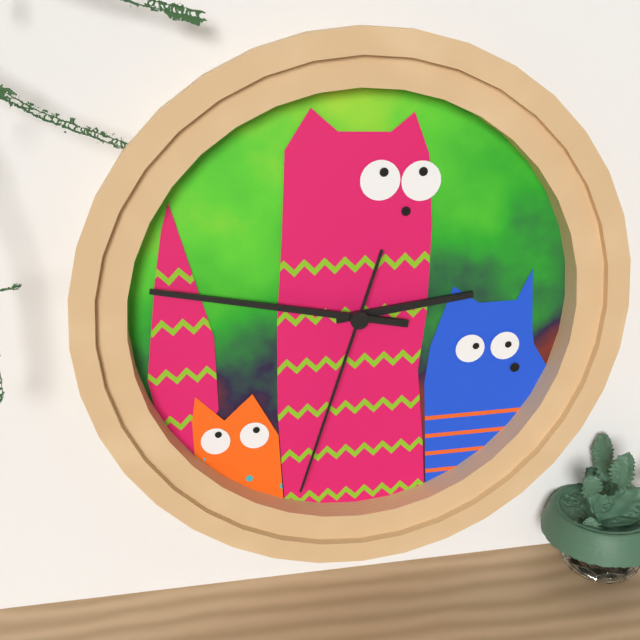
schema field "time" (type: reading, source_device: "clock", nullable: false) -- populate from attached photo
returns 2:47:33
